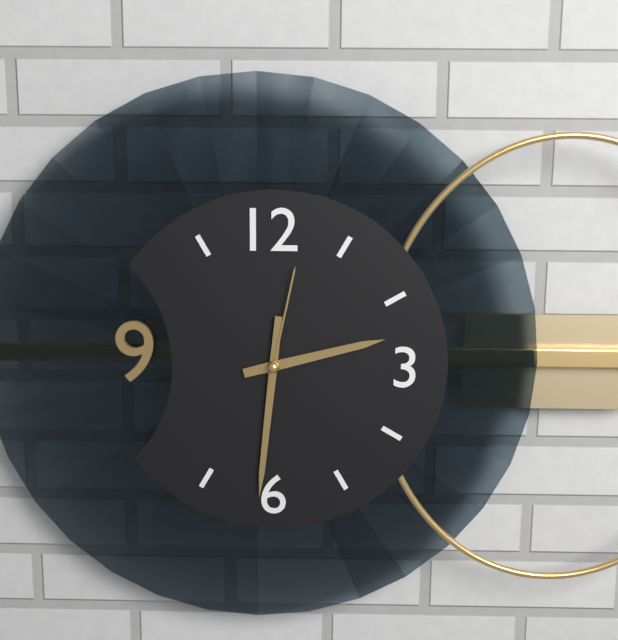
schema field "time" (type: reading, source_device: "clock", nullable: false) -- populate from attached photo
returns 2:31:02
